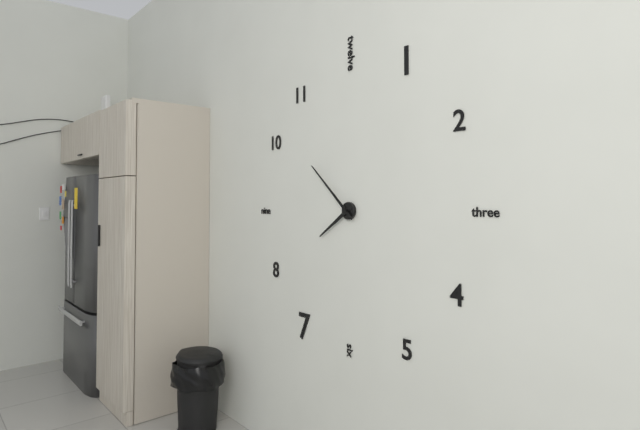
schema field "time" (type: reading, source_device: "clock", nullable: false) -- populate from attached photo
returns 7:52
